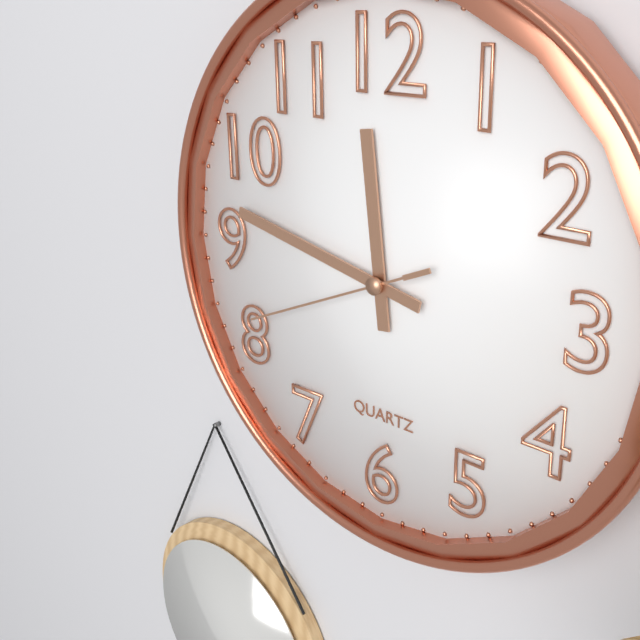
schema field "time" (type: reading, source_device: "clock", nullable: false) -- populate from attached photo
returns 11:47:41
